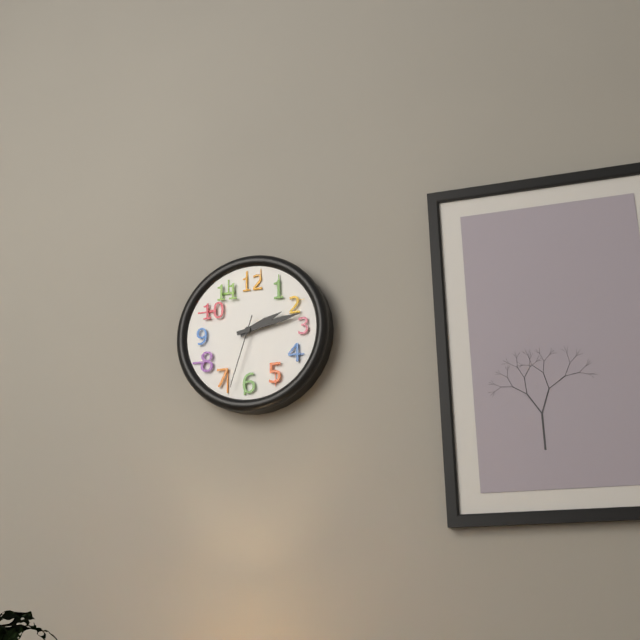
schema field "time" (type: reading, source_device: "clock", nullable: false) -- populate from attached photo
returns 2:13:33
